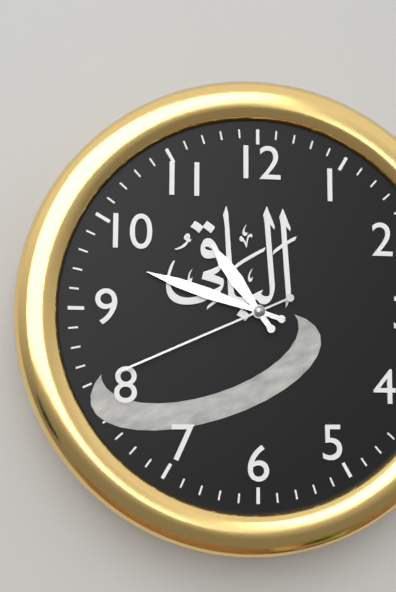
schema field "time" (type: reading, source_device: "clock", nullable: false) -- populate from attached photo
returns 10:48:41
